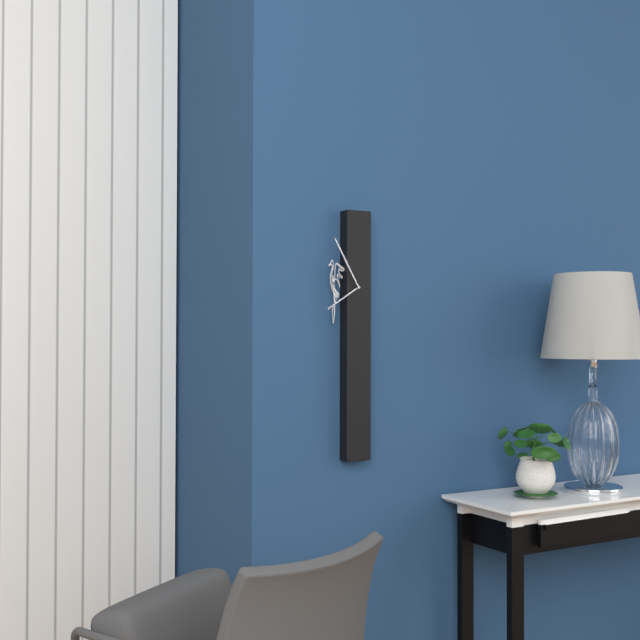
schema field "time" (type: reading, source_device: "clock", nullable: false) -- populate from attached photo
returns 7:55
